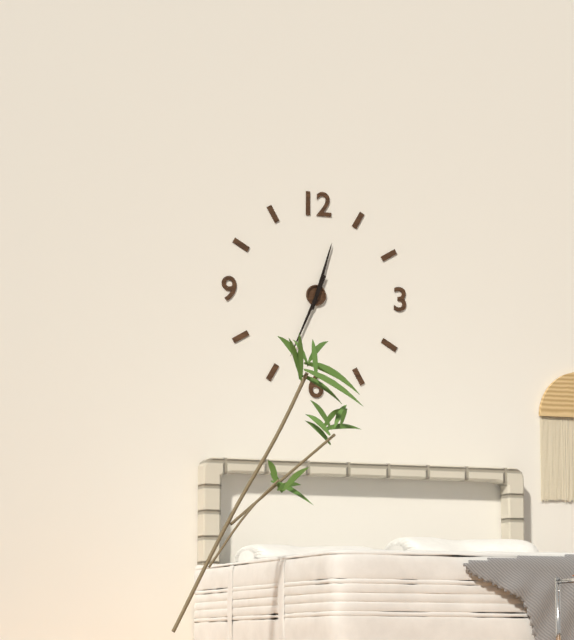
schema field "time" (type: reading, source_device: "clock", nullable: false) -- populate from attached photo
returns 12:34
